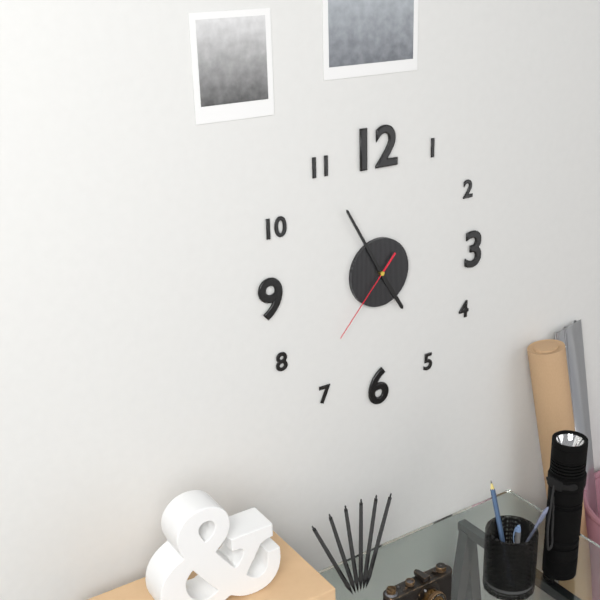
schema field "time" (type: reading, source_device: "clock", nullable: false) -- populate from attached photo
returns 4:55:37
